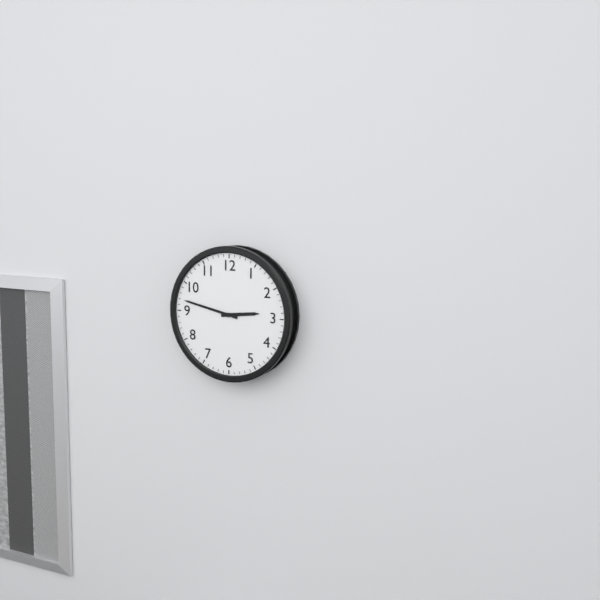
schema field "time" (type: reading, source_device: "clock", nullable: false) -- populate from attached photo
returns 2:47
